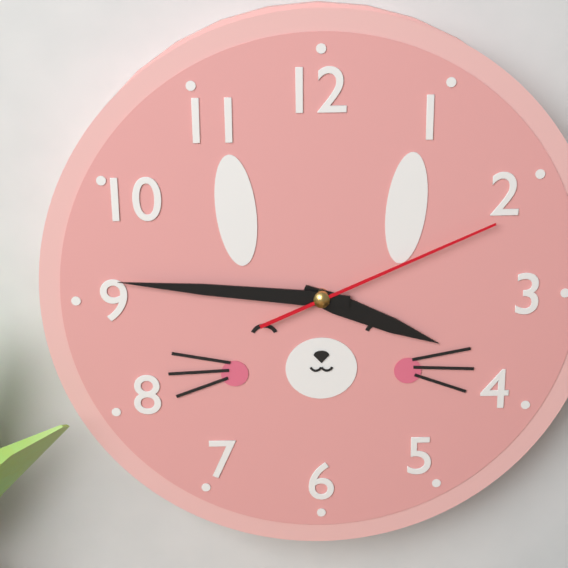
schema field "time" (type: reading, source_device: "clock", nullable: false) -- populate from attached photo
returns 3:46:11
